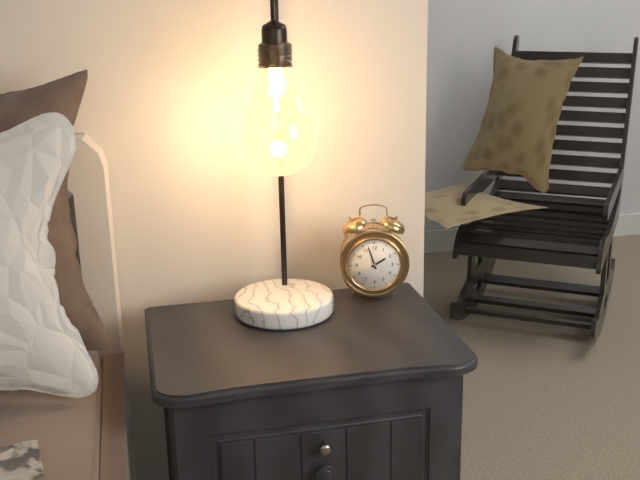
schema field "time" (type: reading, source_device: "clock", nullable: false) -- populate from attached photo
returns 1:57
